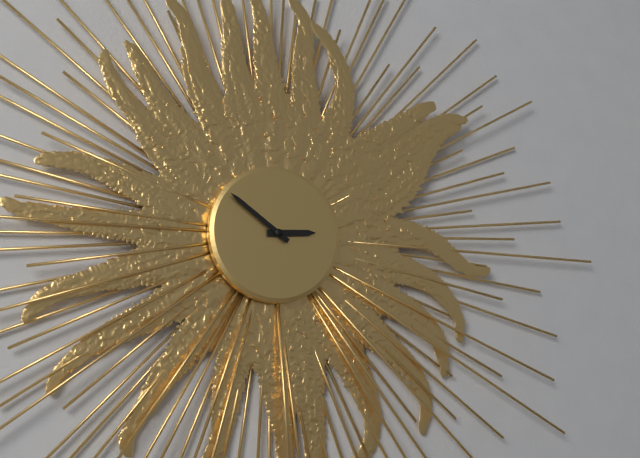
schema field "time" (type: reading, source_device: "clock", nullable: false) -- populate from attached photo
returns 2:51
